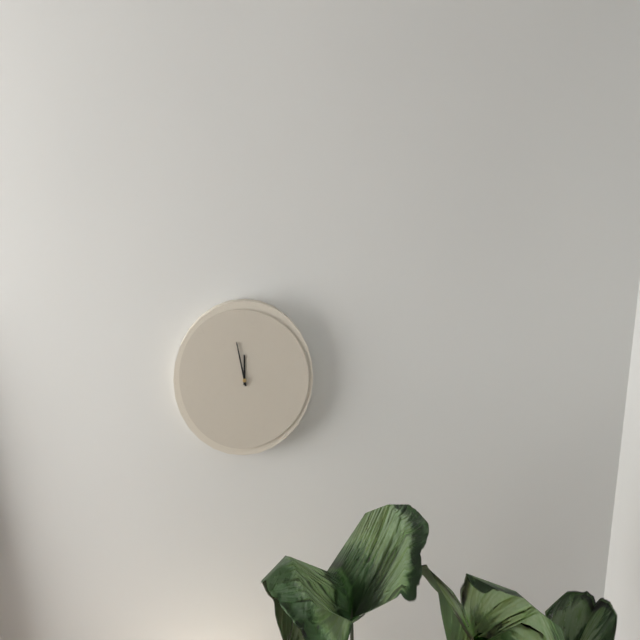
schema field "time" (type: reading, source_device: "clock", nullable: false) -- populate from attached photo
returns 11:58
